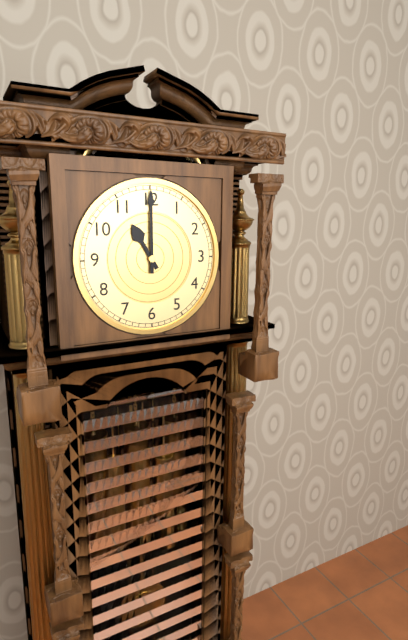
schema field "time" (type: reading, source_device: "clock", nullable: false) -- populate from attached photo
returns 11:00
